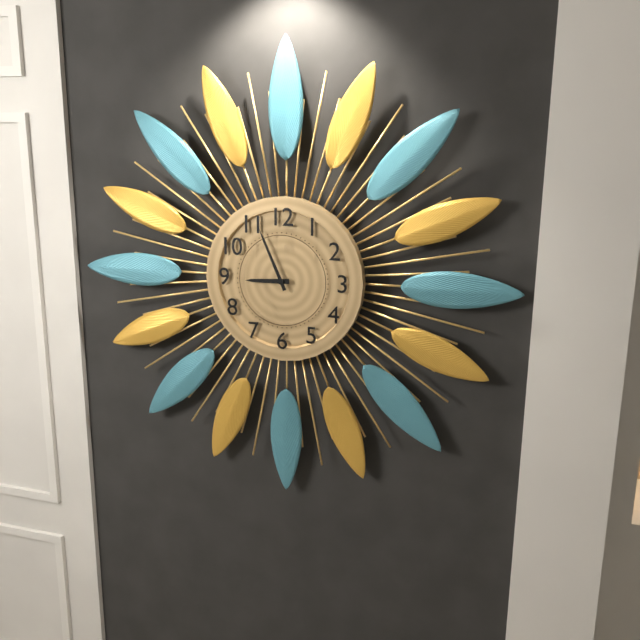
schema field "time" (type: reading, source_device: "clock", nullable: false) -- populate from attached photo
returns 8:56
